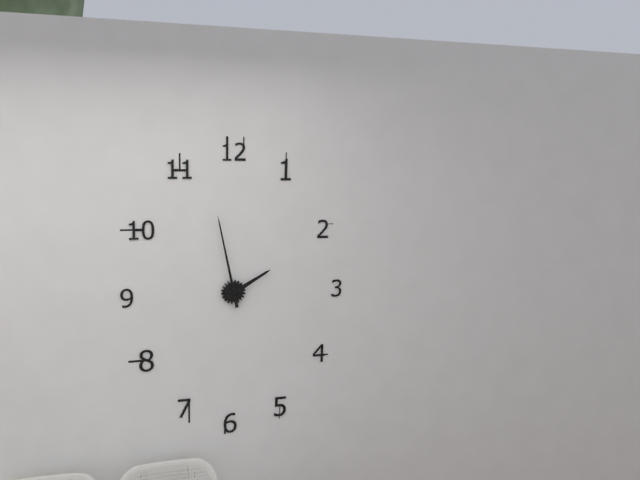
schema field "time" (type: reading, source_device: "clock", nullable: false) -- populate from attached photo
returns 1:58
